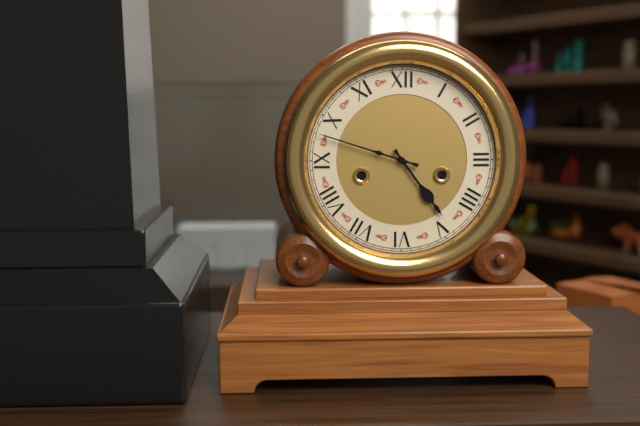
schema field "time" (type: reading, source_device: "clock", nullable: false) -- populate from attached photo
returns 4:48
